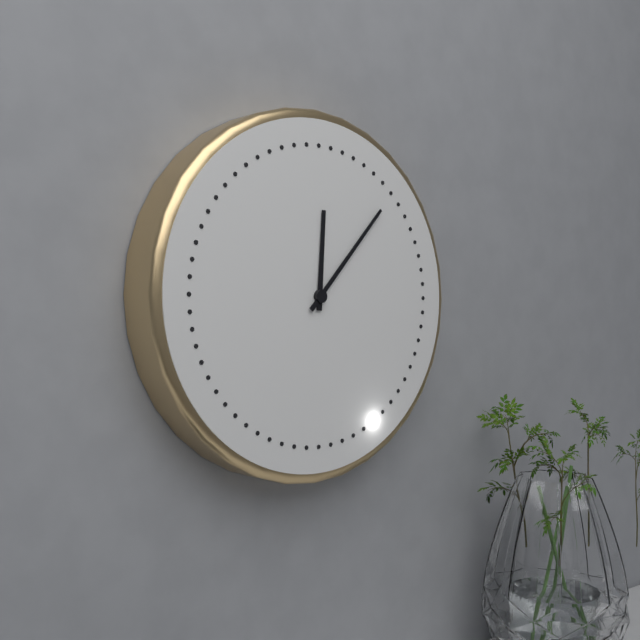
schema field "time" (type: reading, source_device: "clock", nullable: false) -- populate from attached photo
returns 12:07
